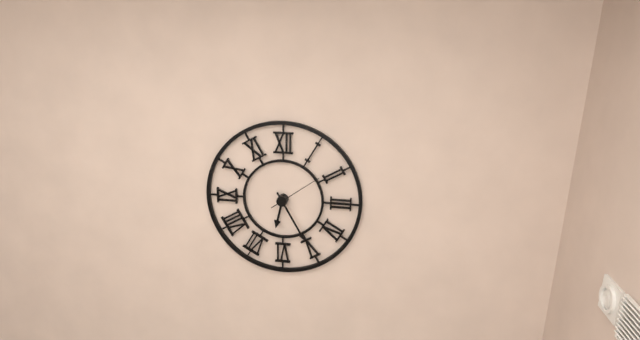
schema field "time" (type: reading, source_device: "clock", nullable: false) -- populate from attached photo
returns 6:25:09
